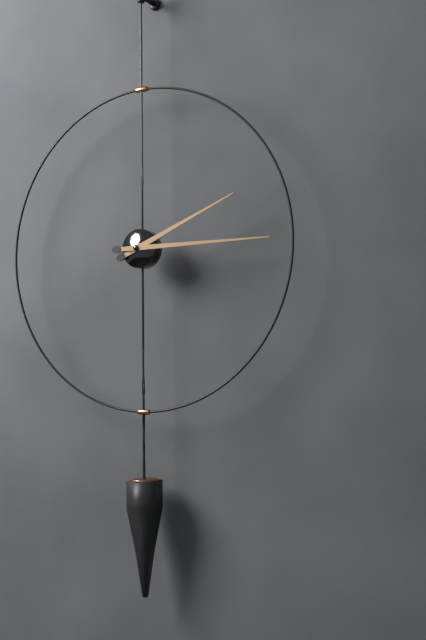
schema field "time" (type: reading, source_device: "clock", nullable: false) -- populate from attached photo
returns 2:15
